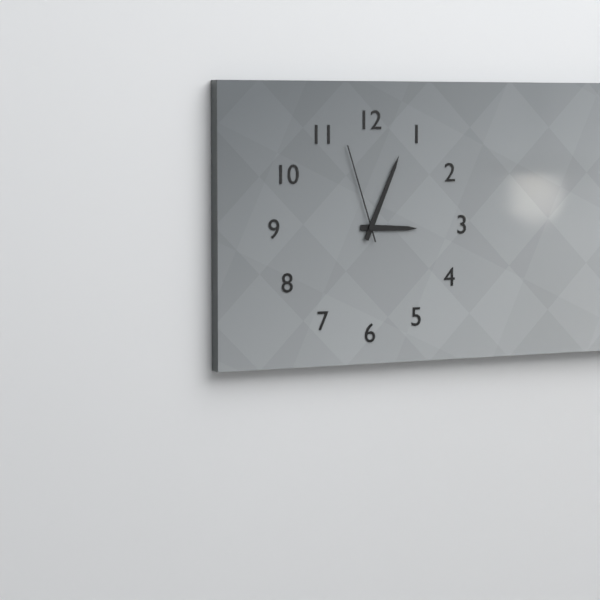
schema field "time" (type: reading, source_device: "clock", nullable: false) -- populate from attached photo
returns 3:04:57
